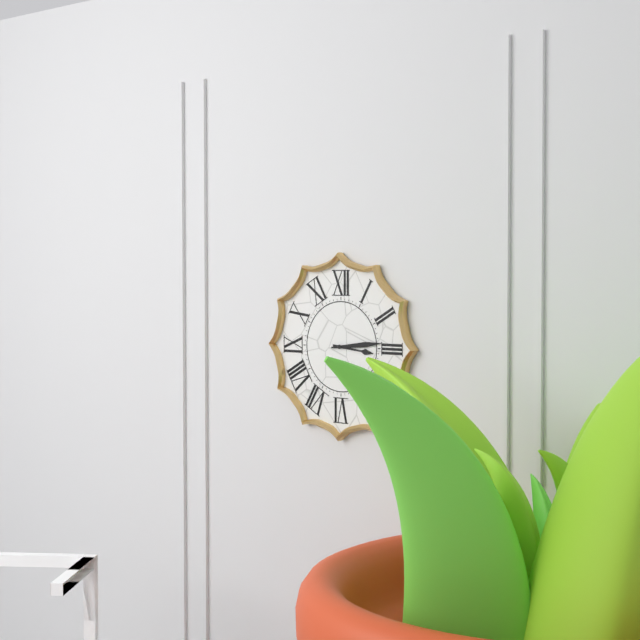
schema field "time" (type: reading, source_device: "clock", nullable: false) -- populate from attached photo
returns 3:14
